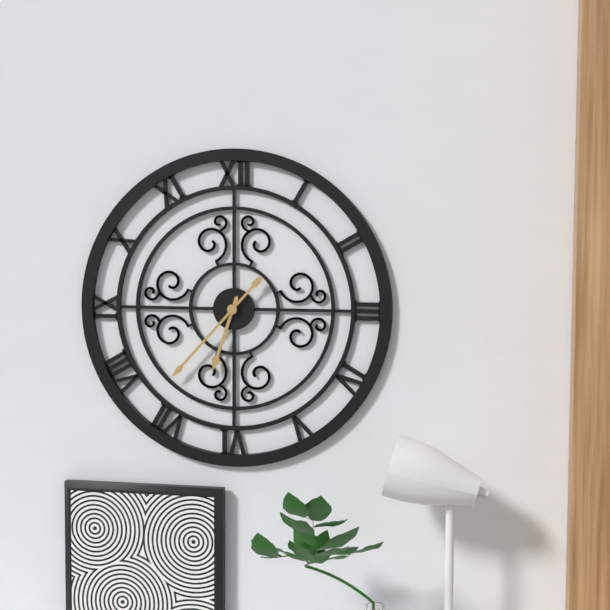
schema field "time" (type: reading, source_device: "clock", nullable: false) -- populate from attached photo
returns 6:37
